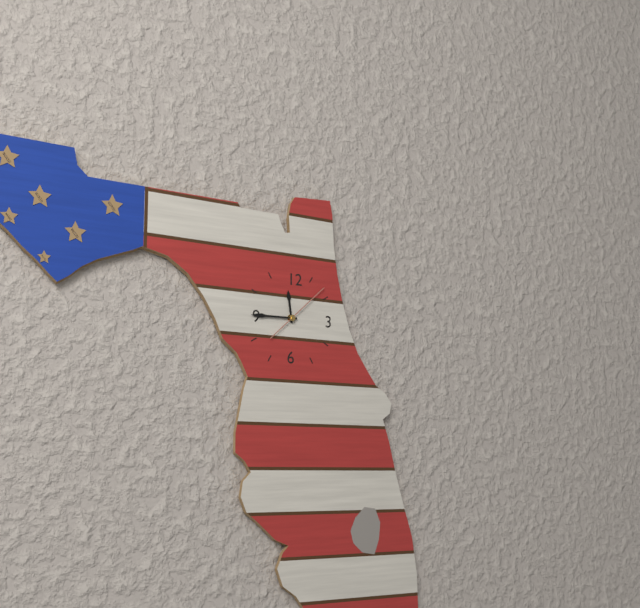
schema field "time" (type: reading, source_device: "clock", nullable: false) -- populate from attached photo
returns 11:45:08
